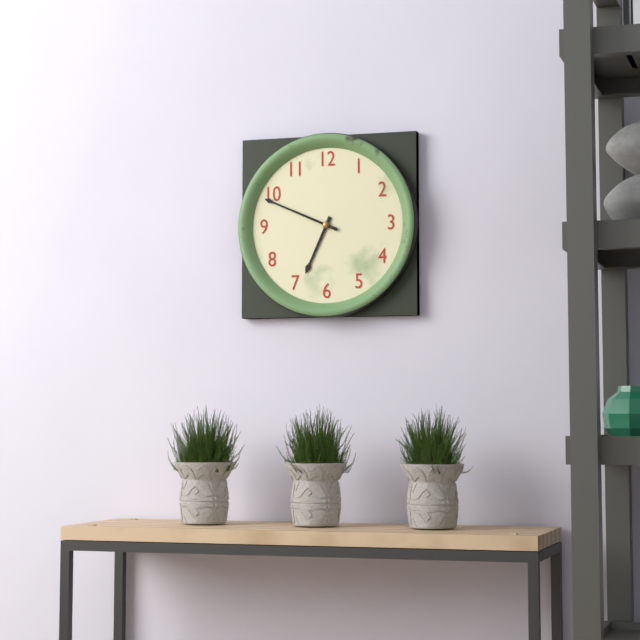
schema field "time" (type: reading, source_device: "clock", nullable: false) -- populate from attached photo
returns 6:49
